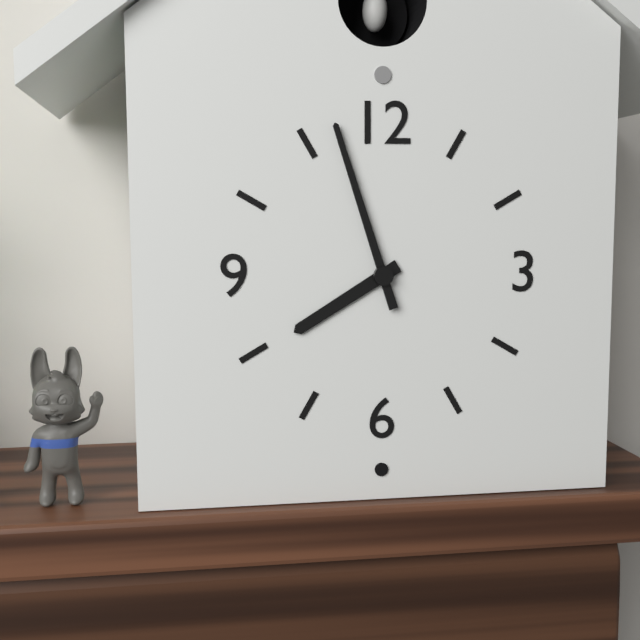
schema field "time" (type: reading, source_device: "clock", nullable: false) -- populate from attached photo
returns 7:57
